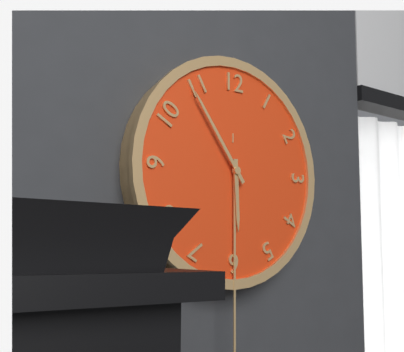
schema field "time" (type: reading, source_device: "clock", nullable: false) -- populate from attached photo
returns 5:54
